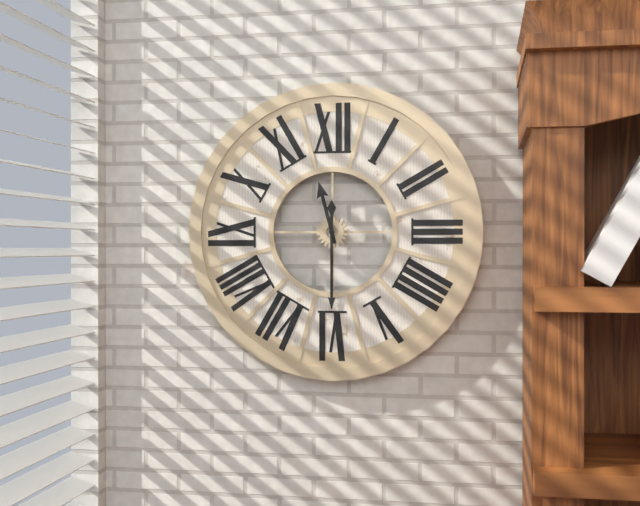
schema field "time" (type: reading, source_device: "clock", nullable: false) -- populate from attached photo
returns 11:30
